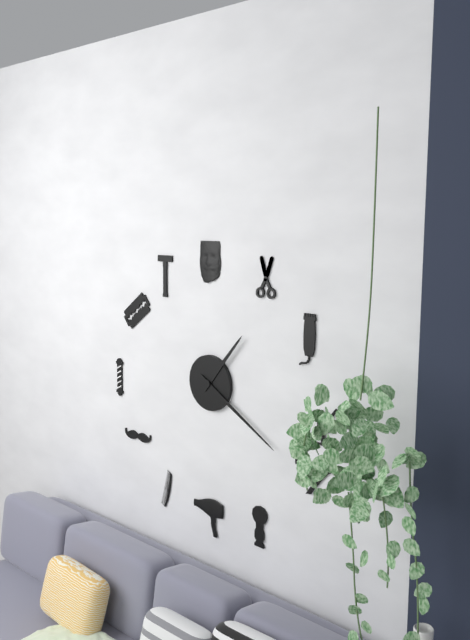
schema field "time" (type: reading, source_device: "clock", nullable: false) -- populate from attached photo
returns 1:20
